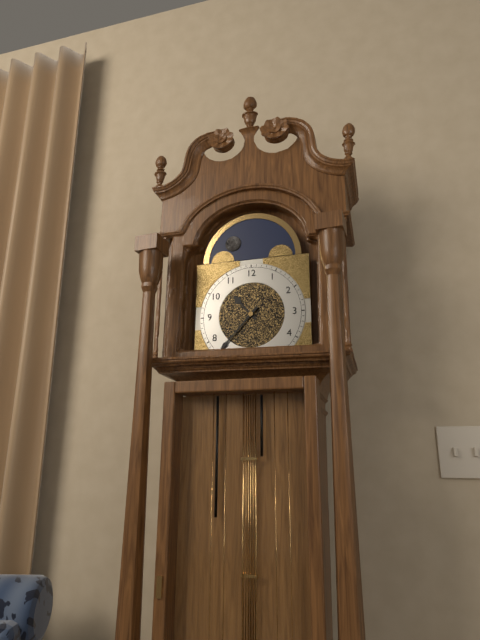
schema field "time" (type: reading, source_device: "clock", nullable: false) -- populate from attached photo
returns 10:37
